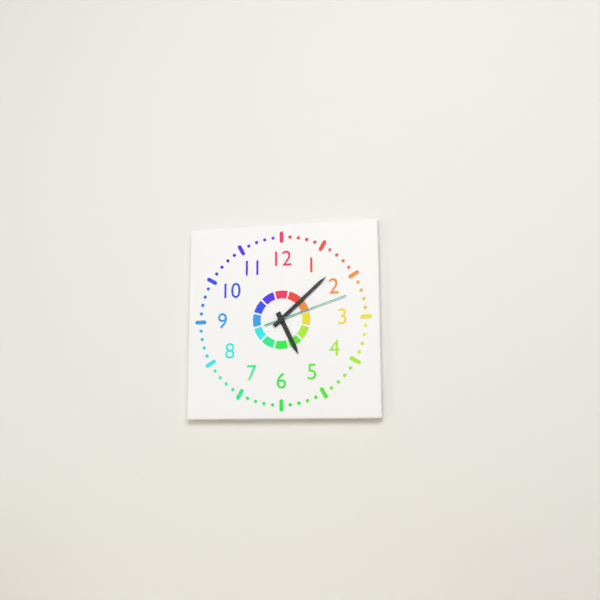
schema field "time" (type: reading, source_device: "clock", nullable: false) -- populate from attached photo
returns 5:08:12
